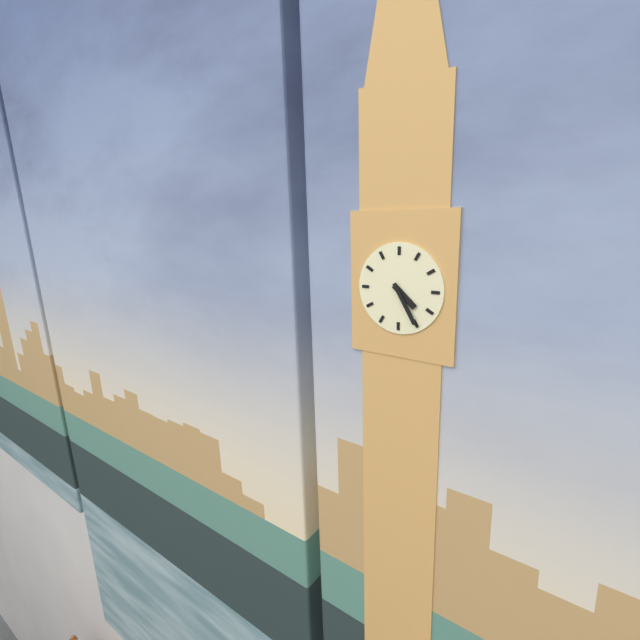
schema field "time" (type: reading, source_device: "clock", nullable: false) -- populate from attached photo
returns 4:25
